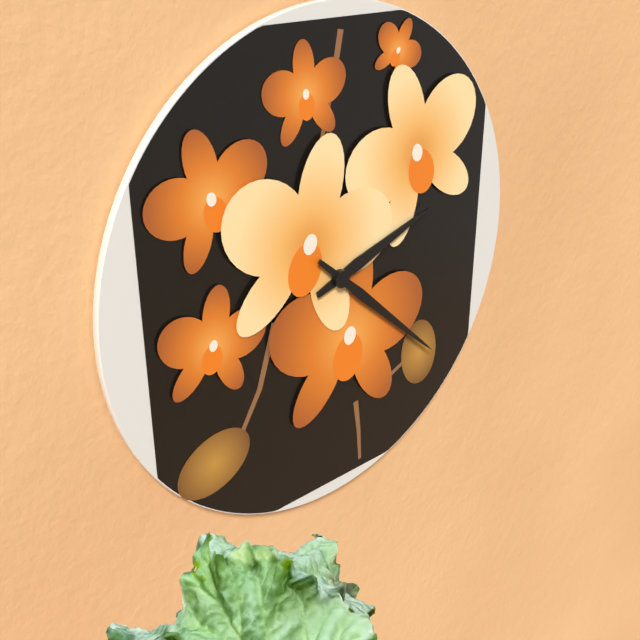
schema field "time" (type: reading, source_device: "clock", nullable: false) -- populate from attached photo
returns 2:22
